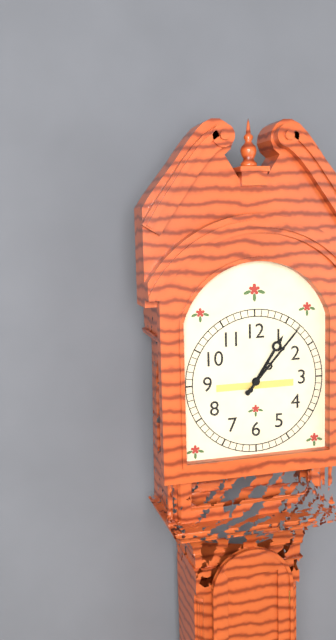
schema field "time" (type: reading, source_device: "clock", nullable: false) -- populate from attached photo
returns 1:07
